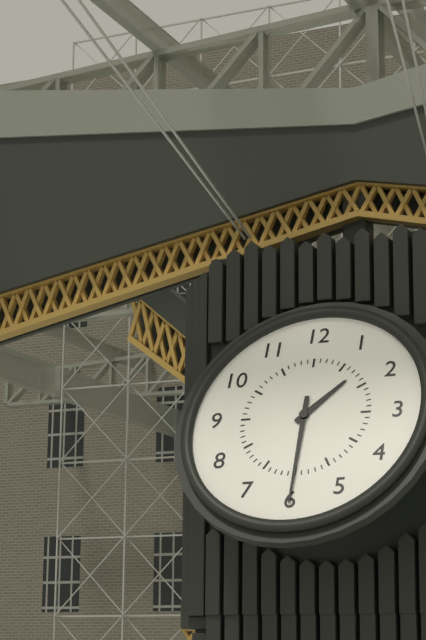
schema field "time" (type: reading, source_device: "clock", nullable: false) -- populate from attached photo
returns 1:30
